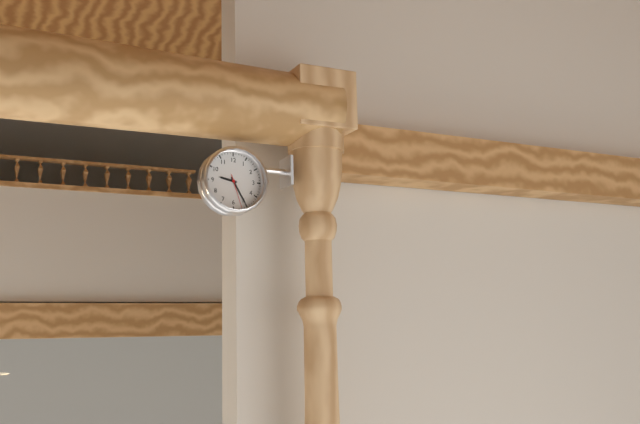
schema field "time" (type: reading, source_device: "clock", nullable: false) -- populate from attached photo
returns 9:25
